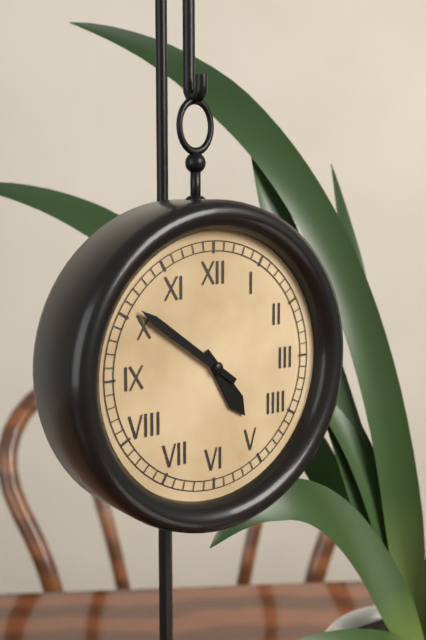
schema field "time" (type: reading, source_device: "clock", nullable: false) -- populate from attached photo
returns 4:51
